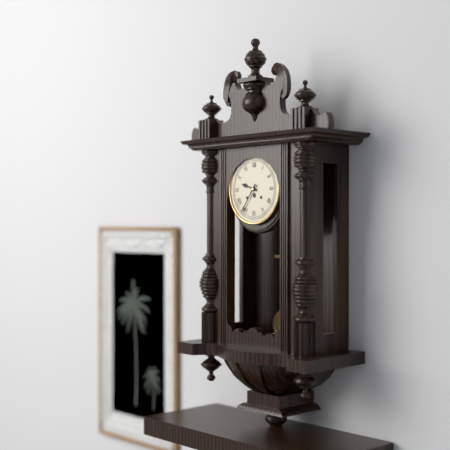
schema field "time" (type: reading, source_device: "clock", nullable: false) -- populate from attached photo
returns 9:36
